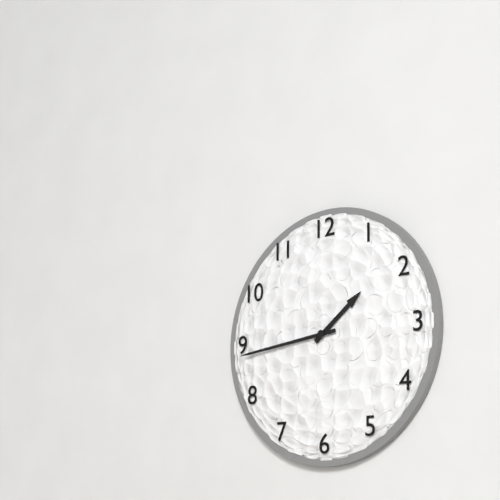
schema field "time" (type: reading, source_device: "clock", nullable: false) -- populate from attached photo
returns 1:44
